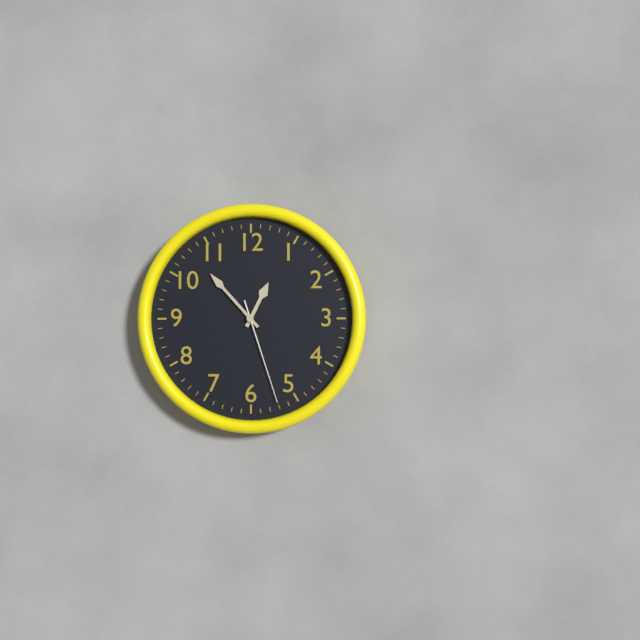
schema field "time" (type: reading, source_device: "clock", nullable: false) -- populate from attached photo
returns 12:53:27
